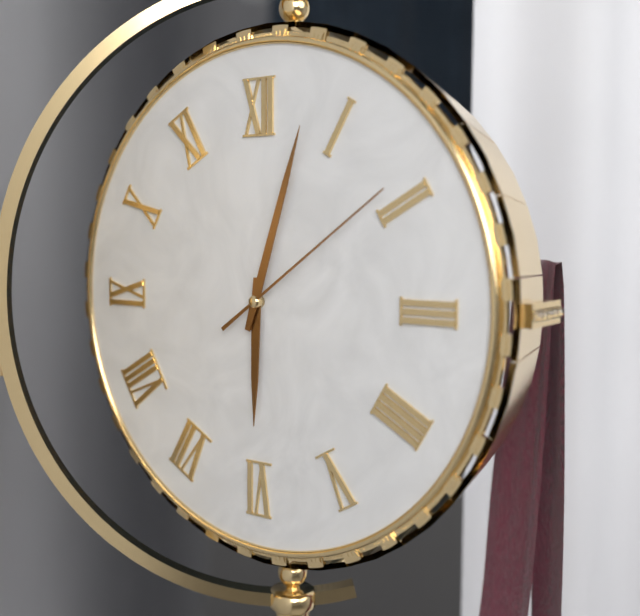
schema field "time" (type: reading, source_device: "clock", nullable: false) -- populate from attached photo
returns 6:03:09
